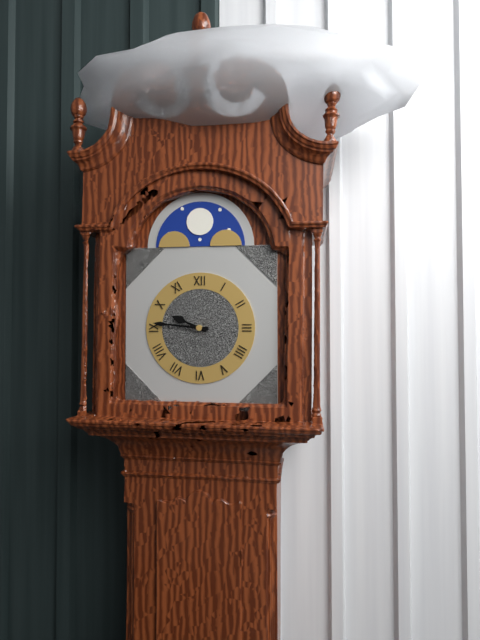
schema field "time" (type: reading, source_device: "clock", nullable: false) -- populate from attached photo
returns 9:46
